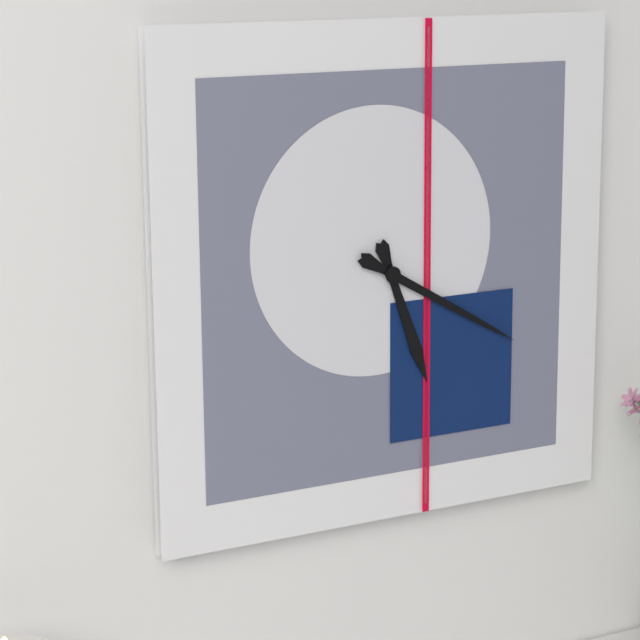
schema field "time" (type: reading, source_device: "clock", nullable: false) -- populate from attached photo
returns 5:20
